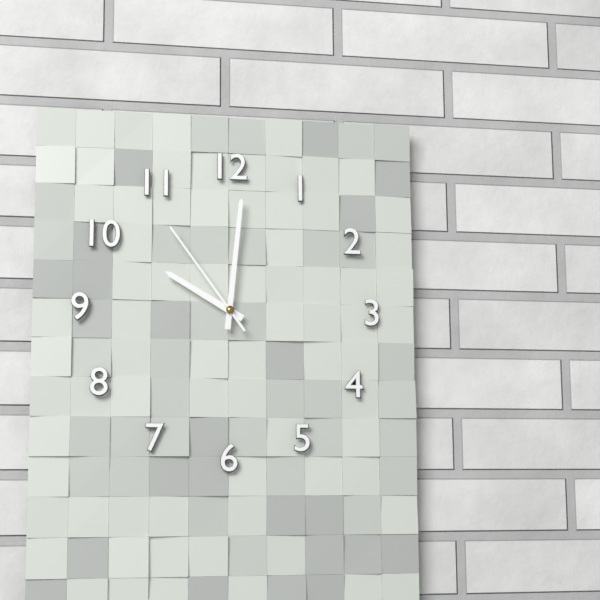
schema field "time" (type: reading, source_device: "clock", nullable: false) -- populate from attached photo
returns 10:01:54
